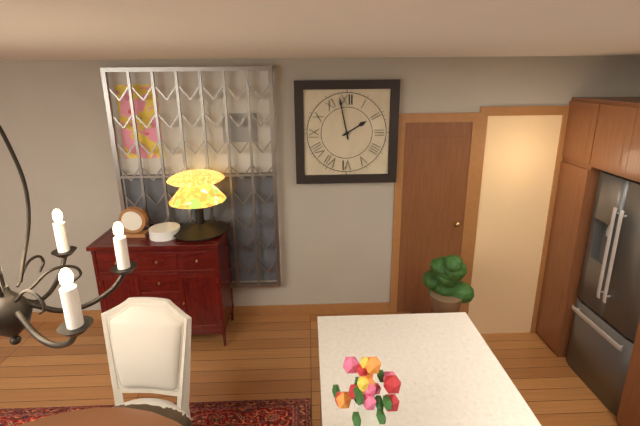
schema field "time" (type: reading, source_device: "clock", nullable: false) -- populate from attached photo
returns 1:58
